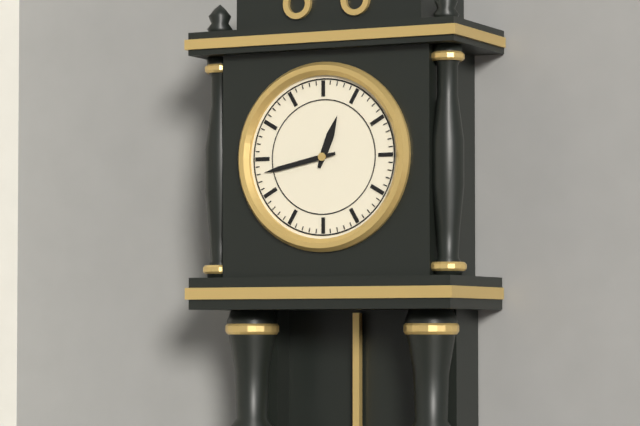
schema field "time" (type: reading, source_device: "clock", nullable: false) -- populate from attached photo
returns 12:43
